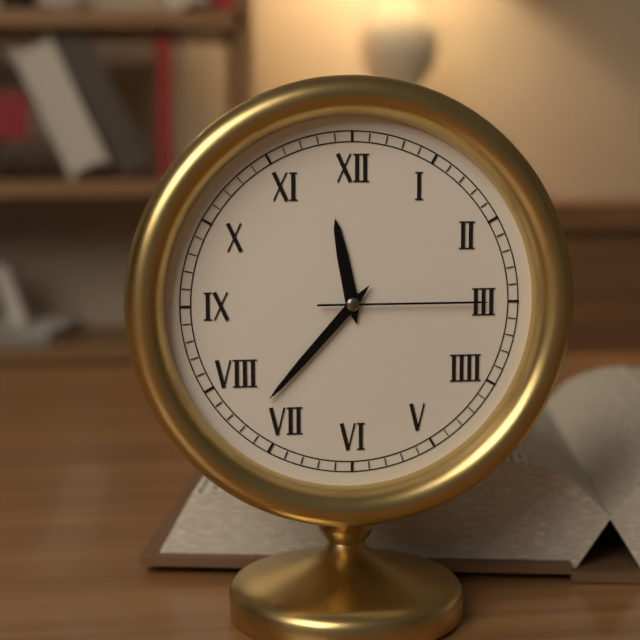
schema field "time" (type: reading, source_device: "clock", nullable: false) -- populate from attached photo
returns 11:37:15
